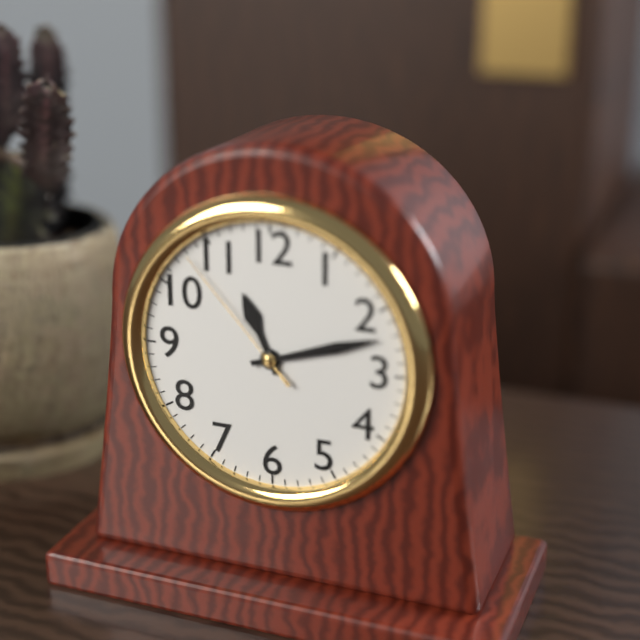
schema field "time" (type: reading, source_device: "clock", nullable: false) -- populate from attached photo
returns 11:12:53
